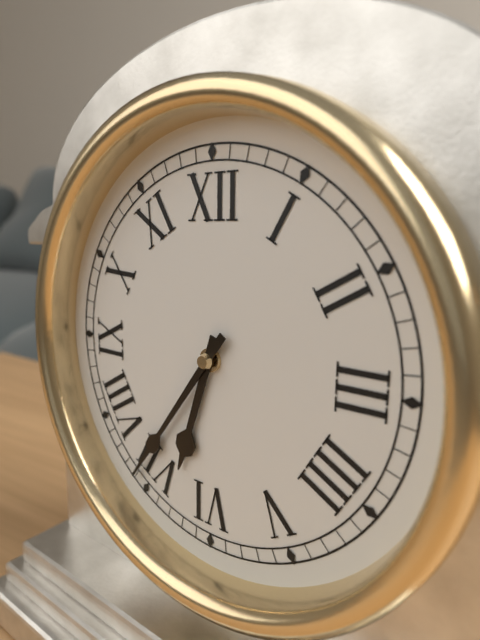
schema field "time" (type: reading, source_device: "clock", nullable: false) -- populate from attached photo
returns 6:36
